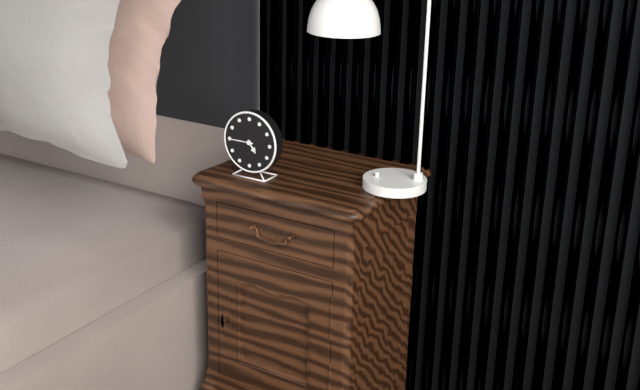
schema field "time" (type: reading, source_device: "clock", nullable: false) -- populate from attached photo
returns 4:45
